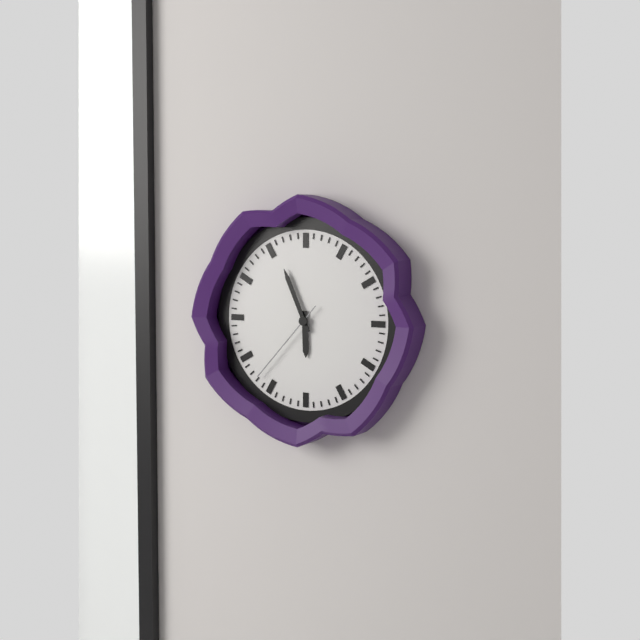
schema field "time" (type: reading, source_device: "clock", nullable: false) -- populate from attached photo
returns 5:56:37
